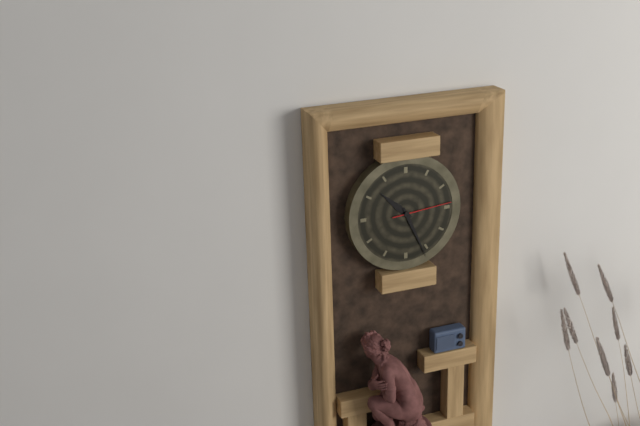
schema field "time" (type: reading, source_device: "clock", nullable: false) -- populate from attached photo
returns 10:26:14
